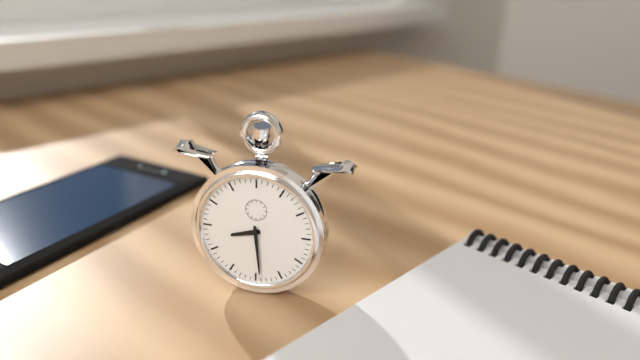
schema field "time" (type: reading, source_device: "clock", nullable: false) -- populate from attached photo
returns 8:29
